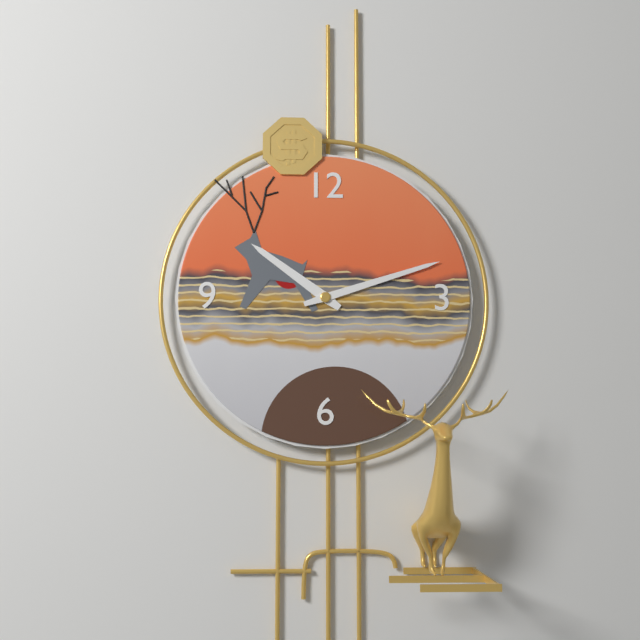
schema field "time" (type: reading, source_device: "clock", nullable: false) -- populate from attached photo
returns 10:12
